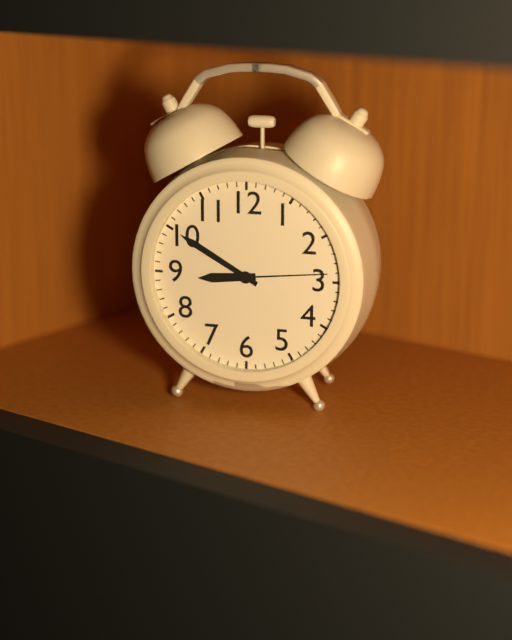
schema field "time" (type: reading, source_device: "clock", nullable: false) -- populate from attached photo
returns 8:50:14
